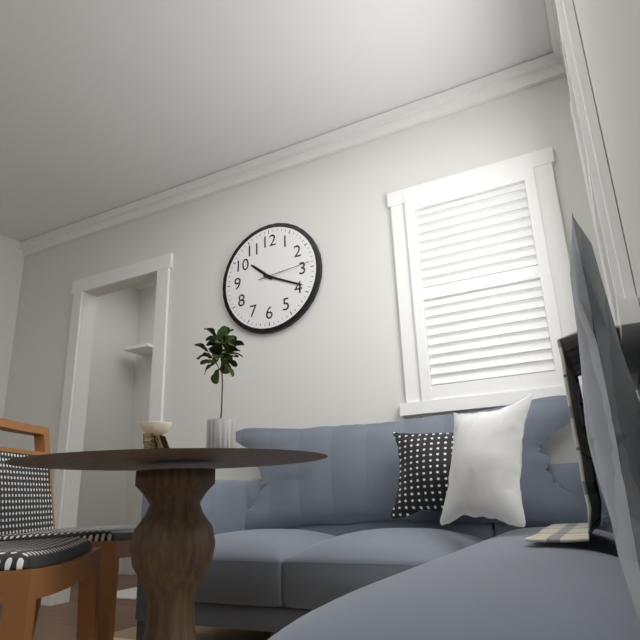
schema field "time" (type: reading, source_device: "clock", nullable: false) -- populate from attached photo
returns 10:19:14
